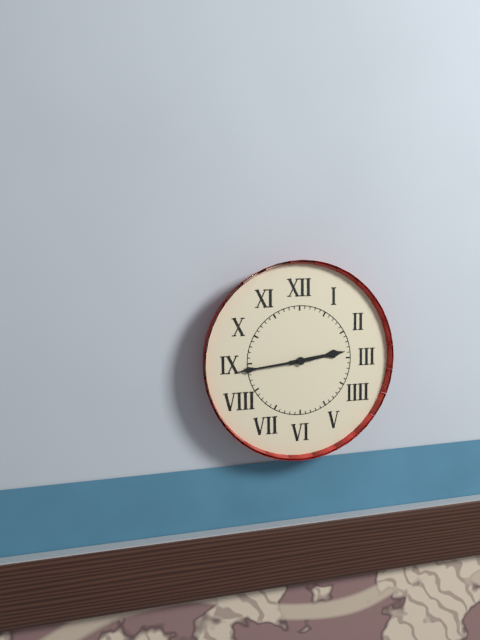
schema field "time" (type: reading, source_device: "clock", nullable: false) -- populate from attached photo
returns 2:44
